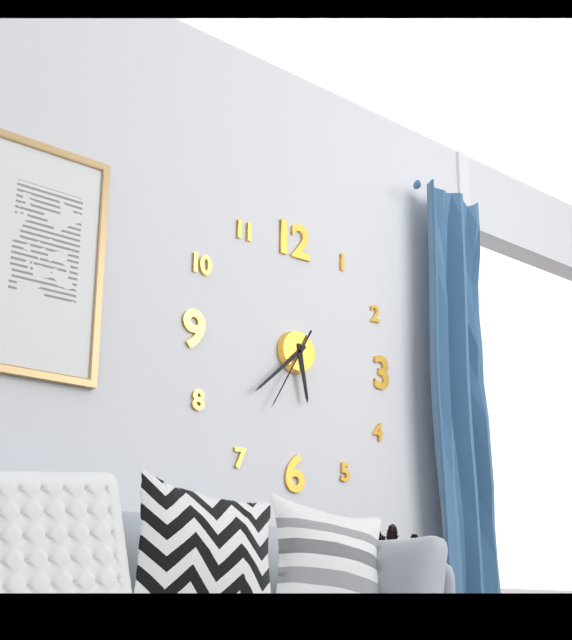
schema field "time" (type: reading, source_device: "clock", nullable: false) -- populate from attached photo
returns 5:38:35
